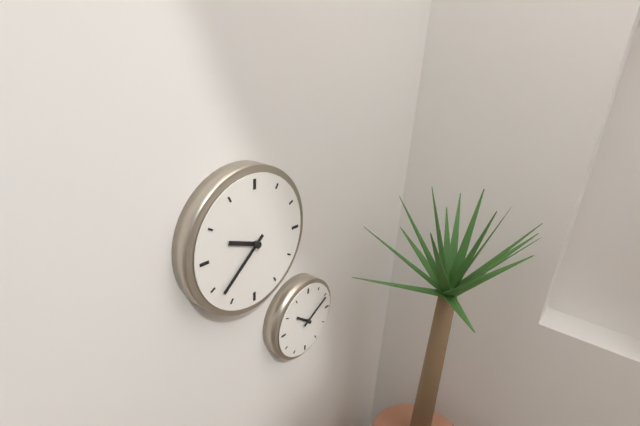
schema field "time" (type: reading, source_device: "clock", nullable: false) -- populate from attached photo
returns 9:38
